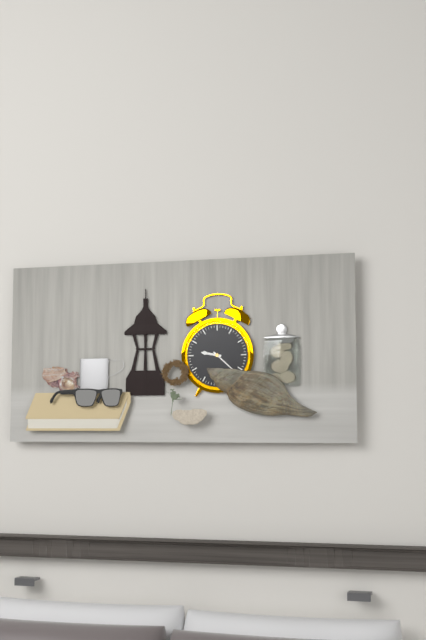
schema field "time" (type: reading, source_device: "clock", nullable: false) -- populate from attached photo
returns 9:22
